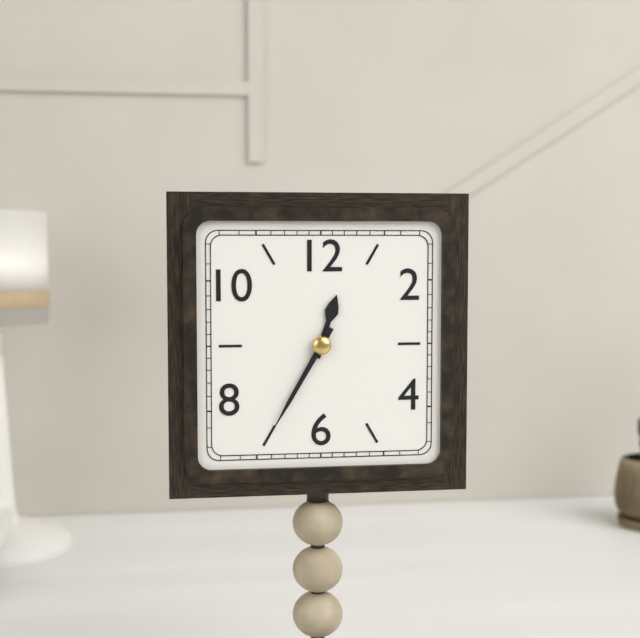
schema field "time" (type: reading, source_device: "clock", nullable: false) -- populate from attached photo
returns 12:35
